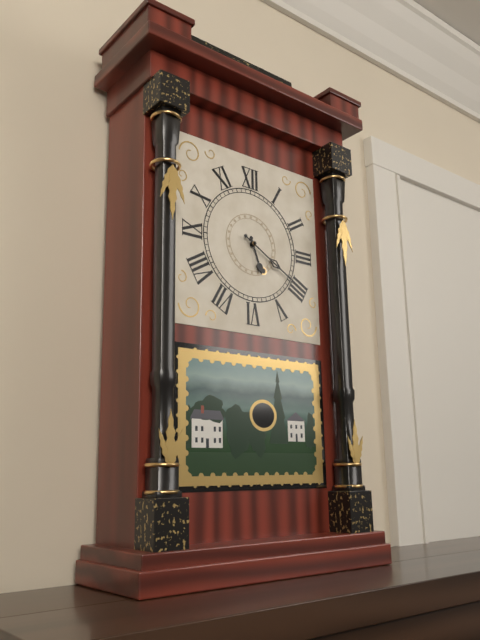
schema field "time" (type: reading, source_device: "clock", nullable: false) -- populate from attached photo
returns 5:20
